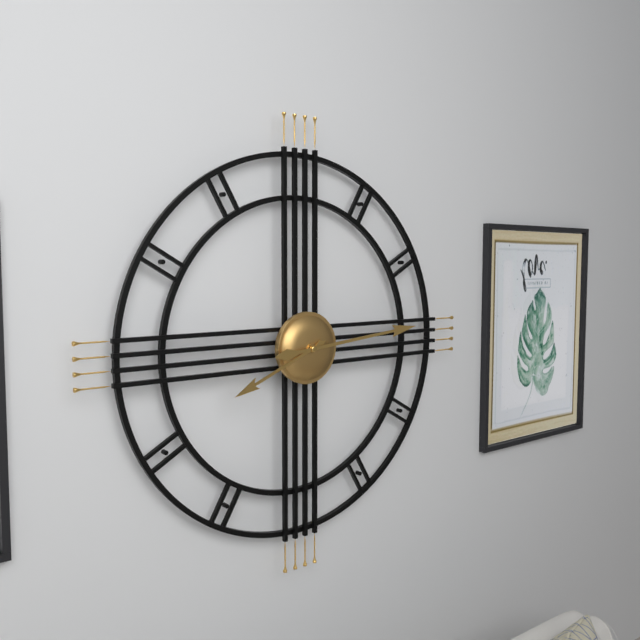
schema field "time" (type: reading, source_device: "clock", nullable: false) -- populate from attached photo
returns 8:14
